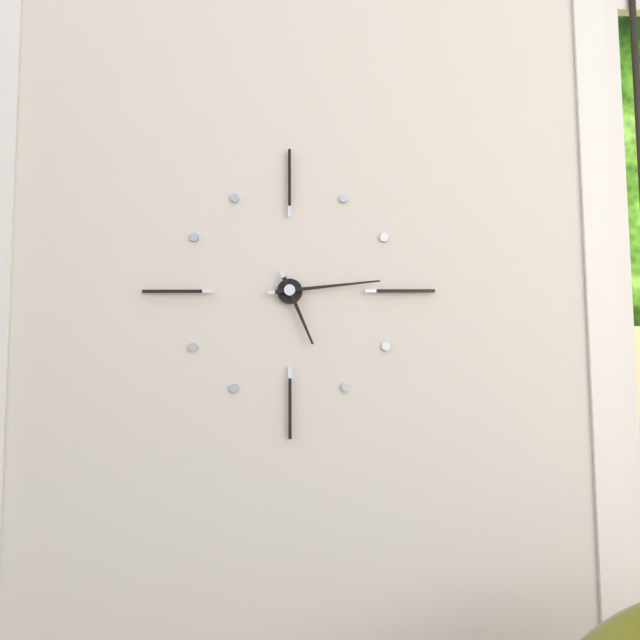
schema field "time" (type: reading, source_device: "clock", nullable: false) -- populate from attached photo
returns 5:14
